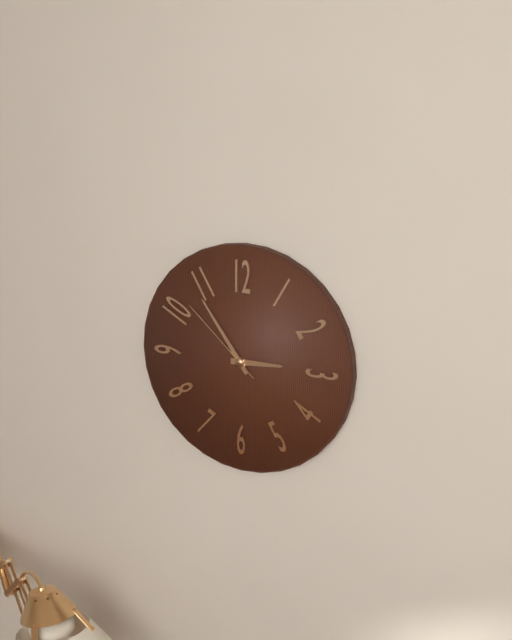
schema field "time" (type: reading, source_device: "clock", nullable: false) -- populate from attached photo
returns 2:54:52
